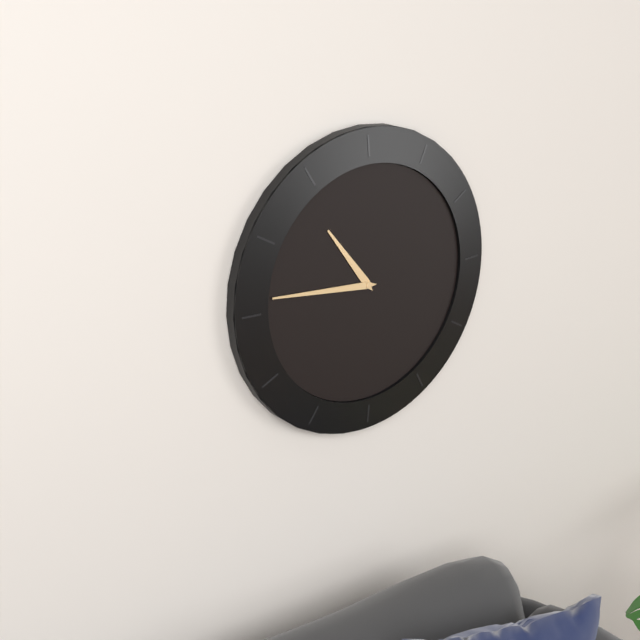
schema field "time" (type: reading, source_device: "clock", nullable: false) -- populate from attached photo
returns 10:46
